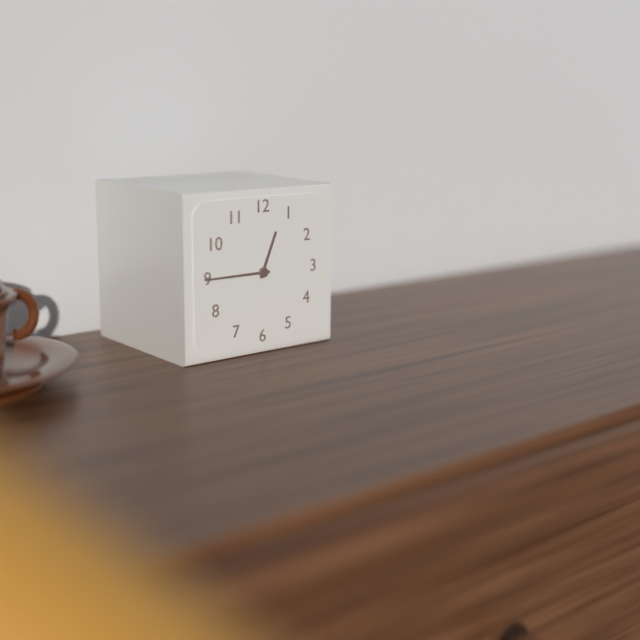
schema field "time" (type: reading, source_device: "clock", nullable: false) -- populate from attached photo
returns 12:45
